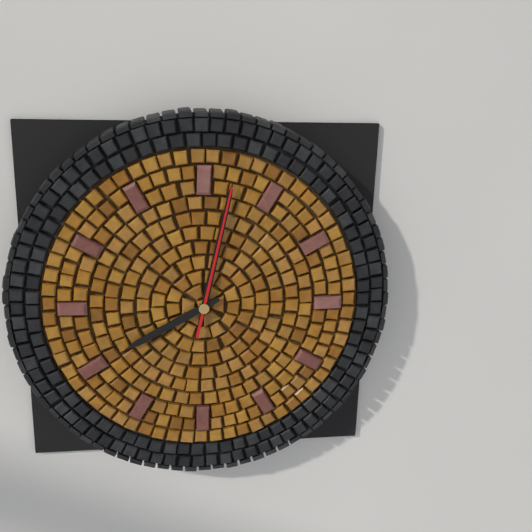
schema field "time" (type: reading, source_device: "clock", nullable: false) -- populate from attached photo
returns 8:02:02
